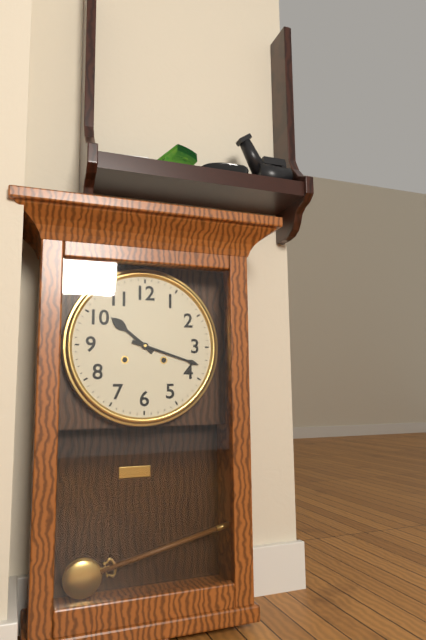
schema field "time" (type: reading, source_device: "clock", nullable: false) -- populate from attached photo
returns 10:18
